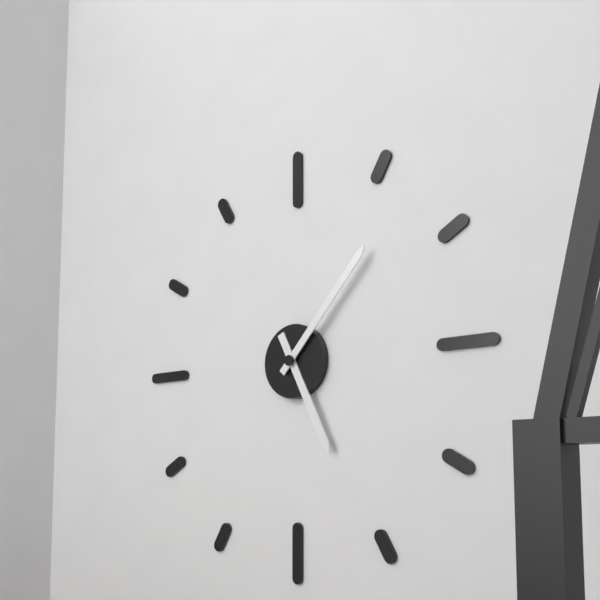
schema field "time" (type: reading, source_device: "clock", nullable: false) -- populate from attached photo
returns 5:07
